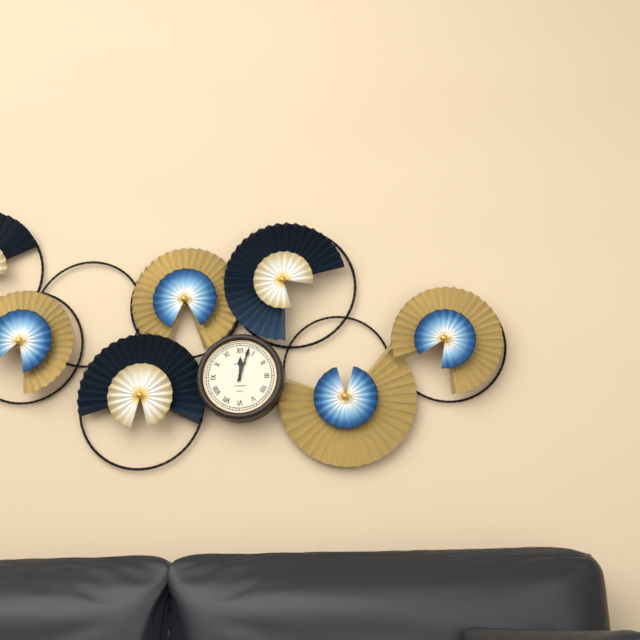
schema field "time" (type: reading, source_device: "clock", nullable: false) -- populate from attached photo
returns 12:03
